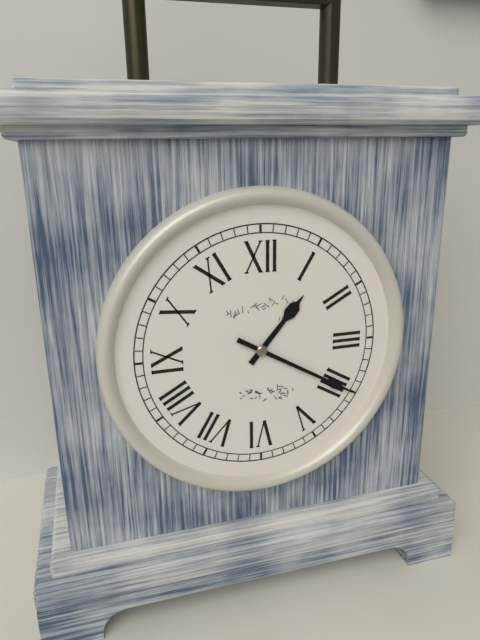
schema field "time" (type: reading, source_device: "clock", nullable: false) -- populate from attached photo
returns 1:20
